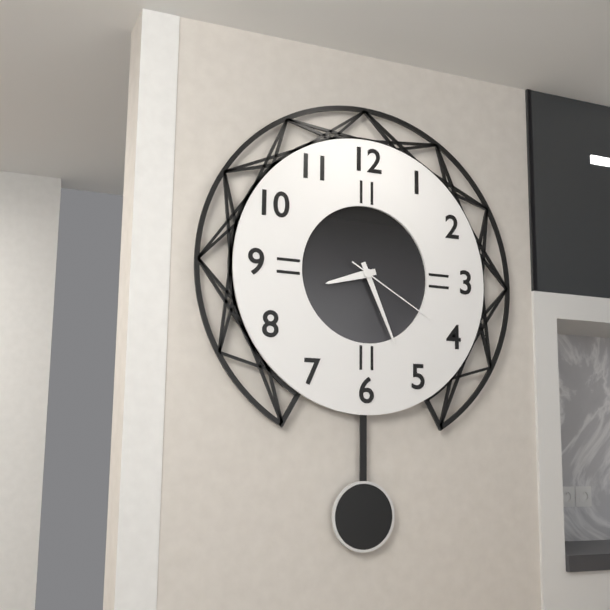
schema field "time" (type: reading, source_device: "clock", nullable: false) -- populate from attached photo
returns 8:26:20
